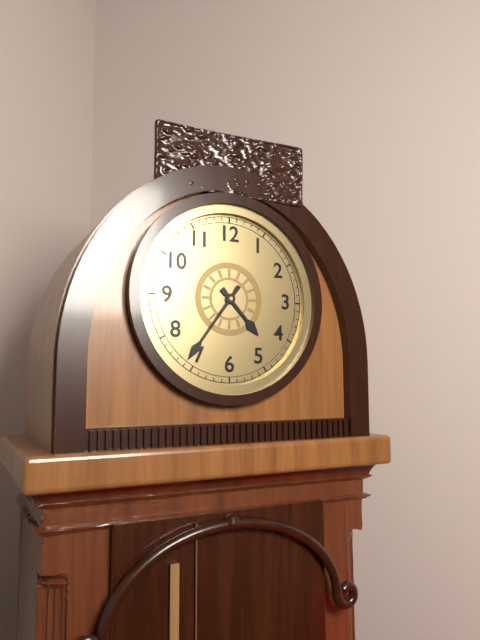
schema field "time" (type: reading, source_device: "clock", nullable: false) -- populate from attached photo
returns 4:36
